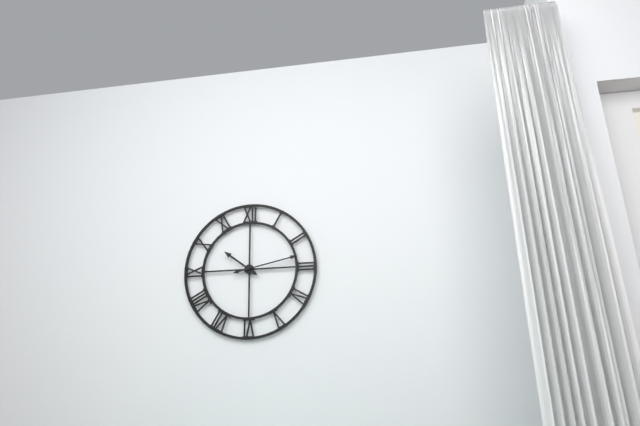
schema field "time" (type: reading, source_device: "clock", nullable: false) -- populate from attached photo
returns 10:13
